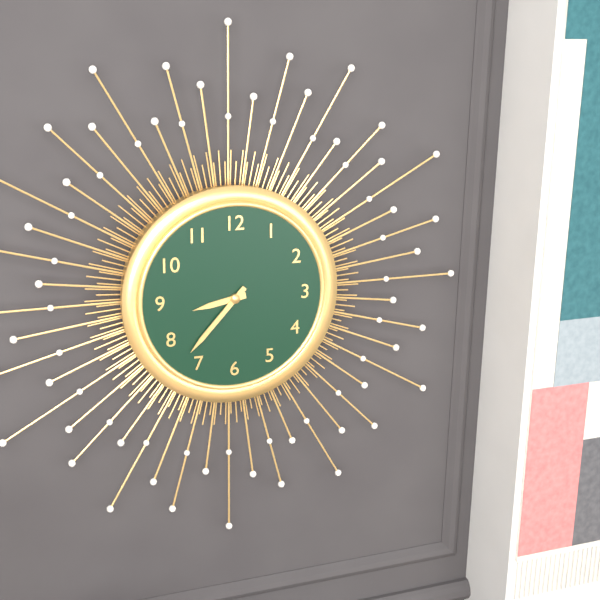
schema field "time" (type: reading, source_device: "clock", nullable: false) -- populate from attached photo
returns 8:37
